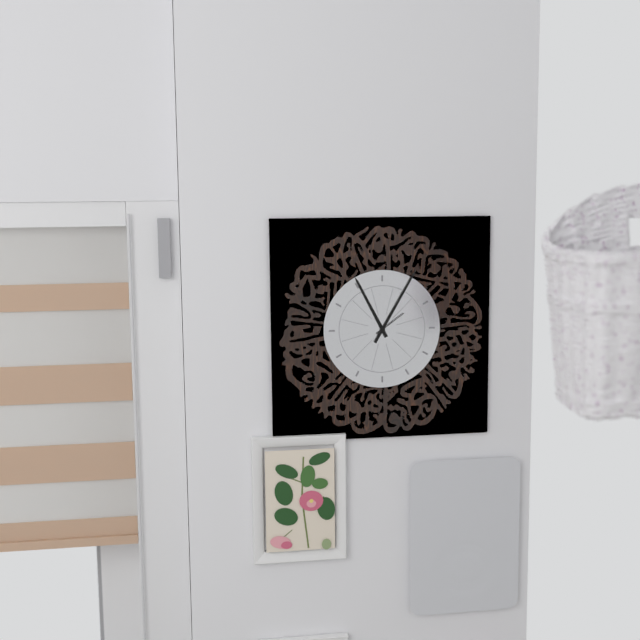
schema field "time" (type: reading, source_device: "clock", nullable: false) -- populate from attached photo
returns 11:05
